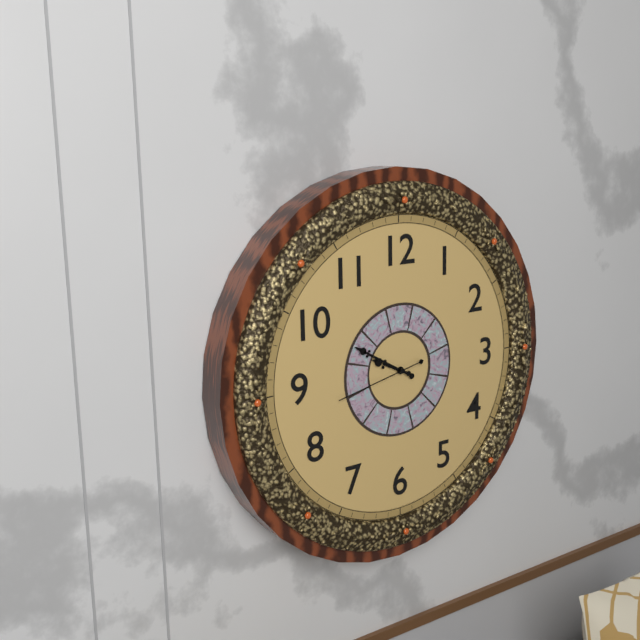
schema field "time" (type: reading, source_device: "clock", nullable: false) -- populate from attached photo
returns 9:50:43
